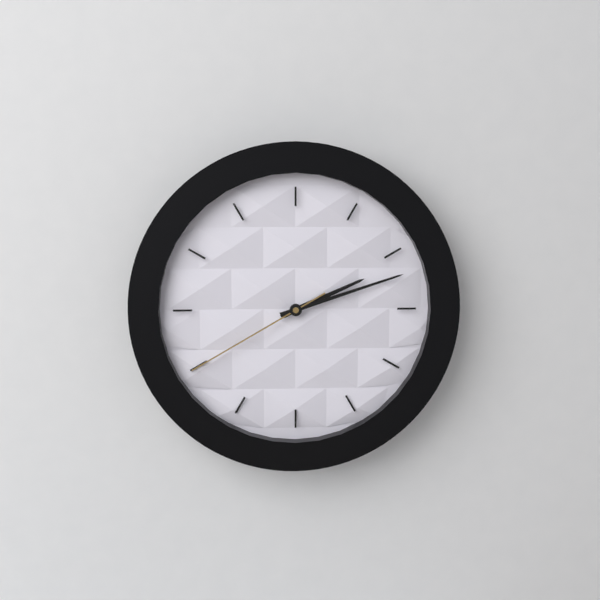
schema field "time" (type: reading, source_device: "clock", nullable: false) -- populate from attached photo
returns 2:12:40
